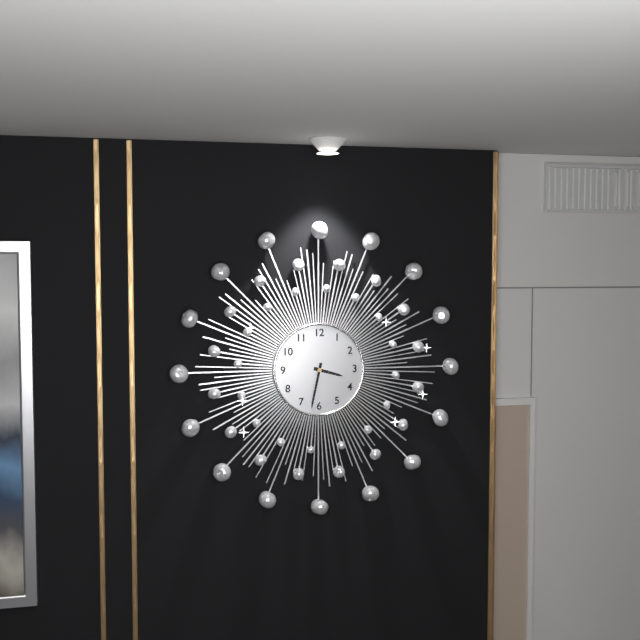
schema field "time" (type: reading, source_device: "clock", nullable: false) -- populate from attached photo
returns 3:32
